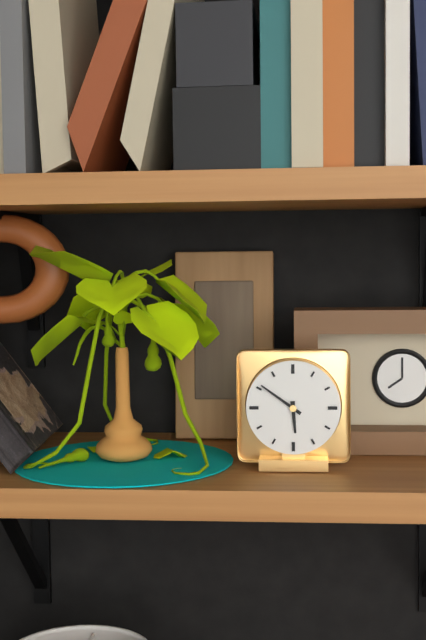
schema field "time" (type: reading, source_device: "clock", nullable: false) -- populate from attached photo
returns 5:51
